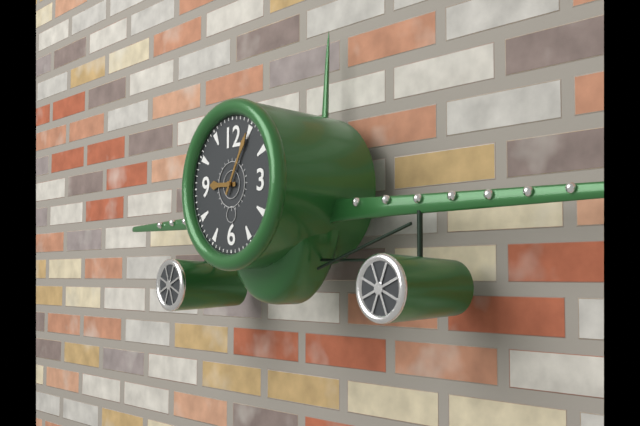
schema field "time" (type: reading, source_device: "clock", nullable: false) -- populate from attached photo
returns 9:05
